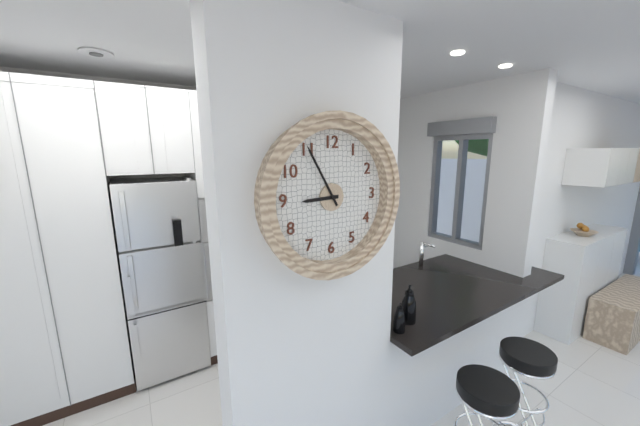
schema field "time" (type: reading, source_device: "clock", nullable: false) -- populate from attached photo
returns 8:55
